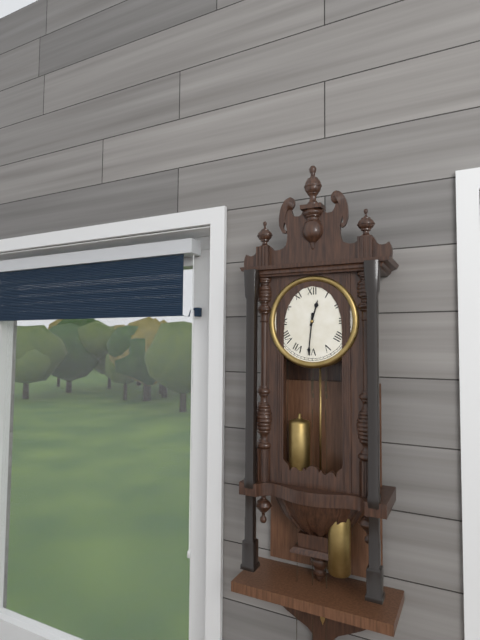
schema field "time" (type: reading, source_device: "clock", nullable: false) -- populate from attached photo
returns 12:31
